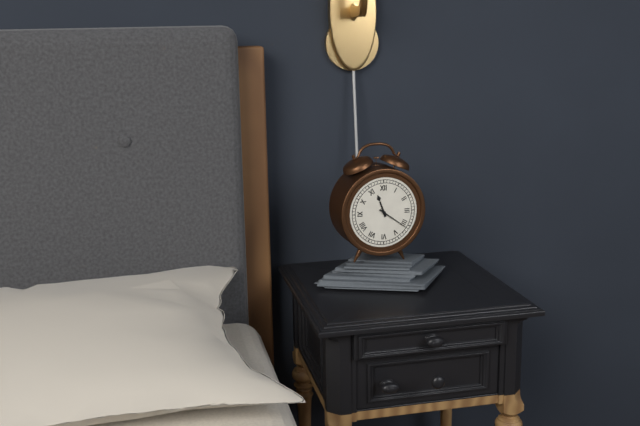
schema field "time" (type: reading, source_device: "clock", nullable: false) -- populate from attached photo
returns 11:21
